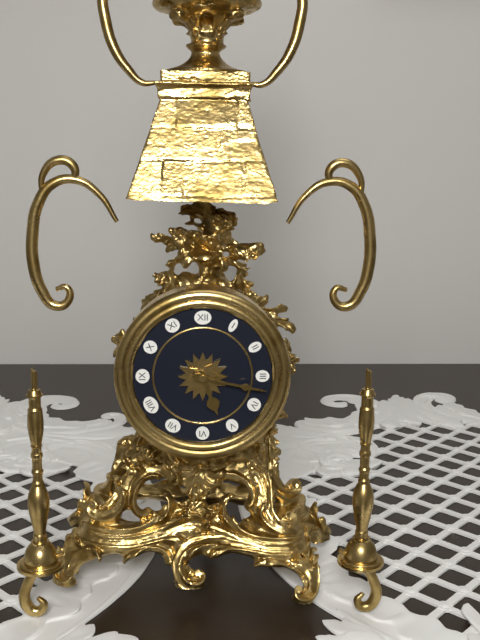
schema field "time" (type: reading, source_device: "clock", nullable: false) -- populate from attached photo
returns 5:17
